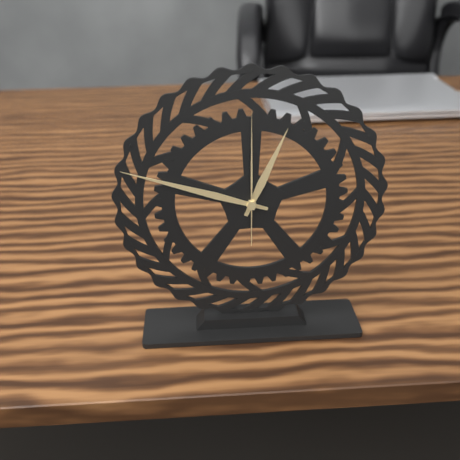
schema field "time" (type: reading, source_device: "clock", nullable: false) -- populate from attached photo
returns 12:48:00
